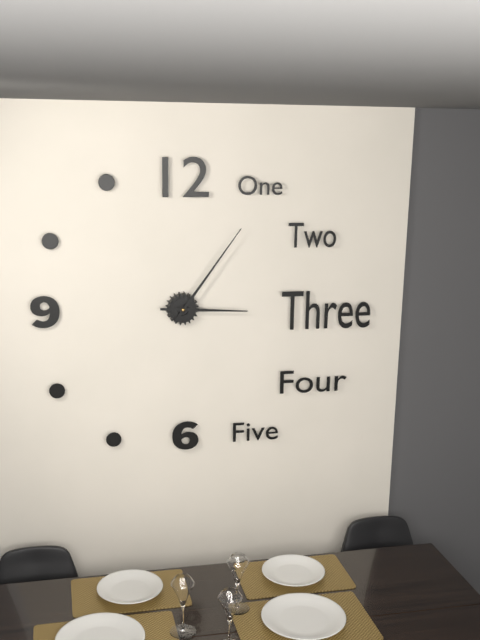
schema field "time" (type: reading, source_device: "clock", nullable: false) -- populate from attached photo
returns 3:06
